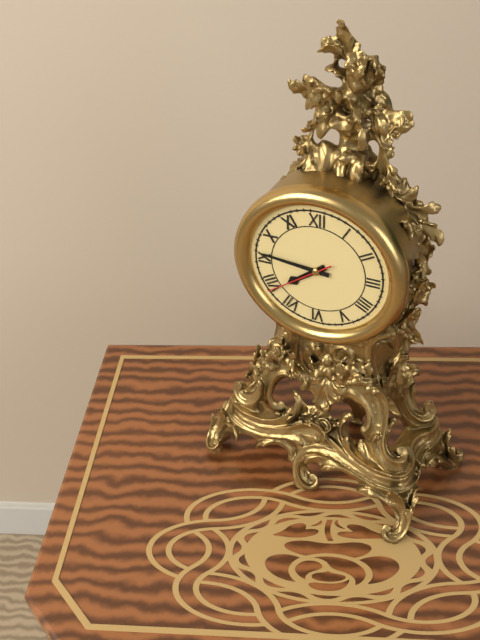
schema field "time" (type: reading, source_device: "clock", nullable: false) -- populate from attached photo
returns 7:46:39
